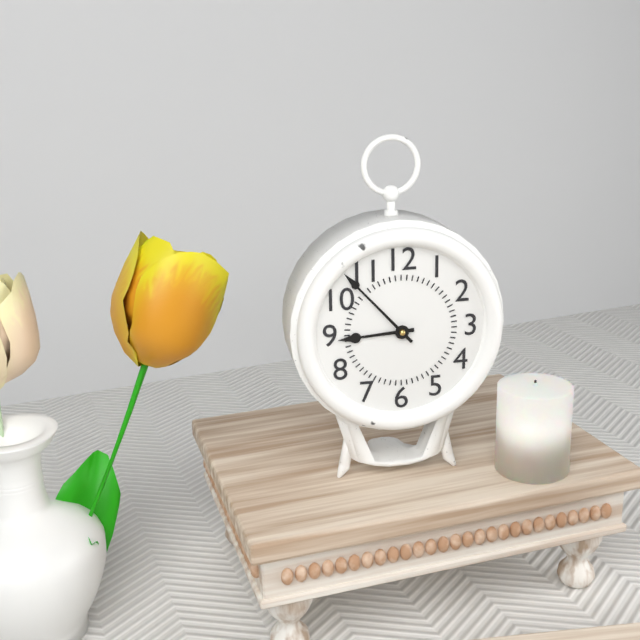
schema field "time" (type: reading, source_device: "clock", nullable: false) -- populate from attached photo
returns 8:53
